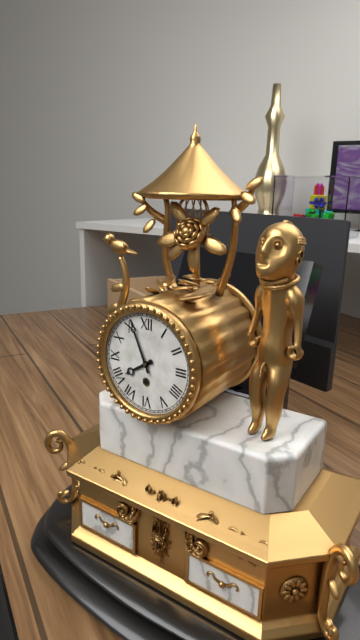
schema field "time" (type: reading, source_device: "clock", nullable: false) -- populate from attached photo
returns 7:56
